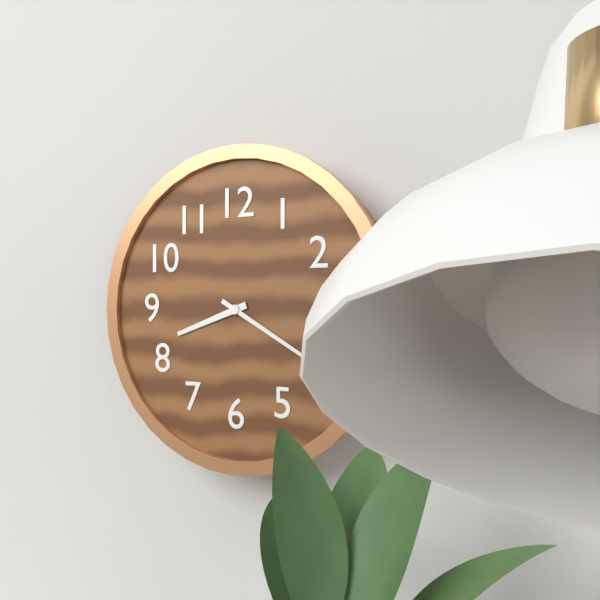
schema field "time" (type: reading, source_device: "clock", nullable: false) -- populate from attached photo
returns 8:20
